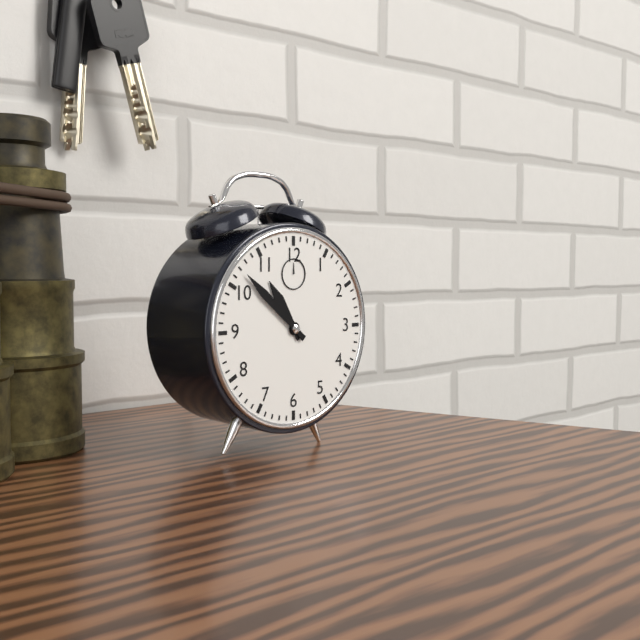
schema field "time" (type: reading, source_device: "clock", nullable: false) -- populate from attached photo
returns 10:52
